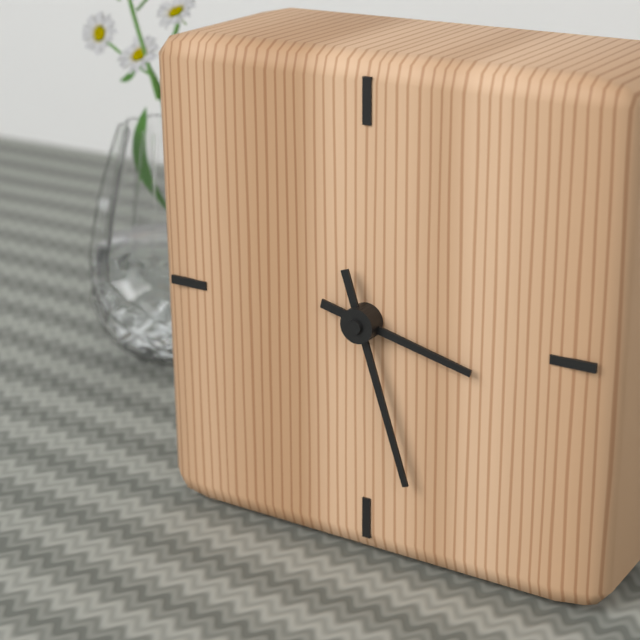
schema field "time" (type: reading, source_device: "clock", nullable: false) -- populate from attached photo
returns 3:27
